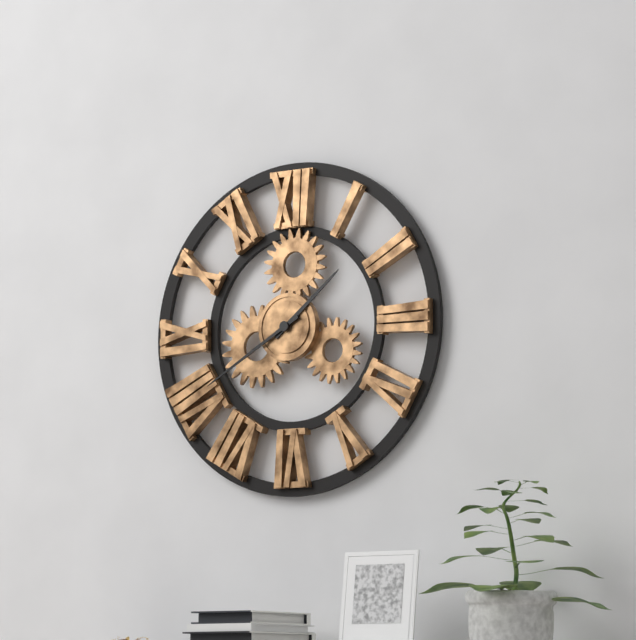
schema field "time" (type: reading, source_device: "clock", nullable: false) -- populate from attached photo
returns 1:40
